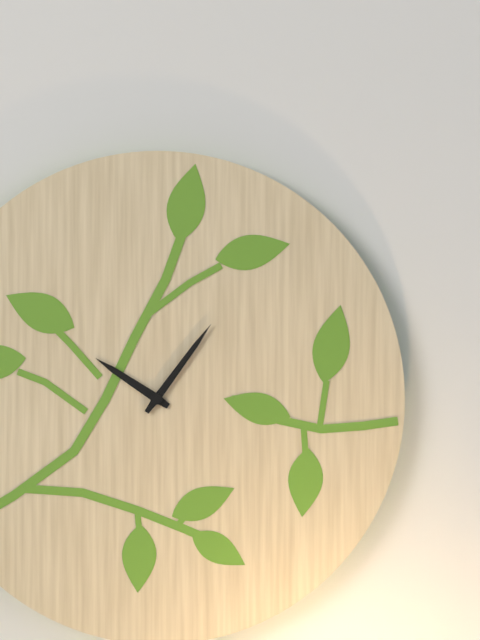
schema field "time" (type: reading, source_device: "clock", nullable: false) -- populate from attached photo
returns 10:06
